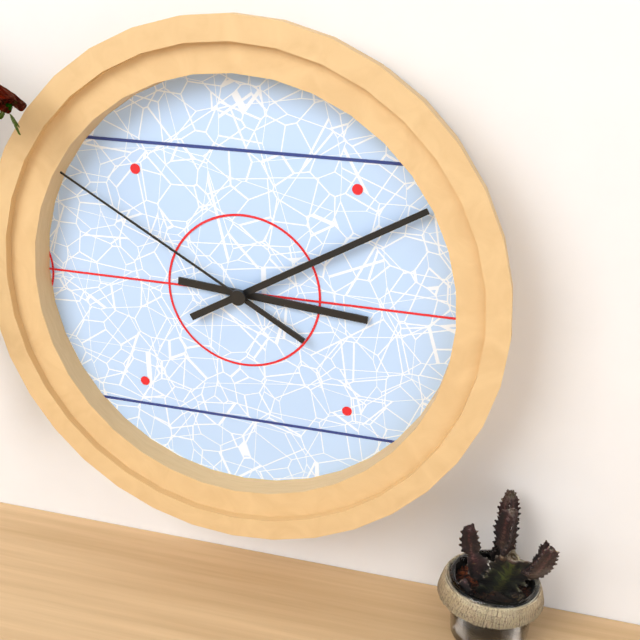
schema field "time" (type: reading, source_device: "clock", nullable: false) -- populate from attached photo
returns 3:10:50
